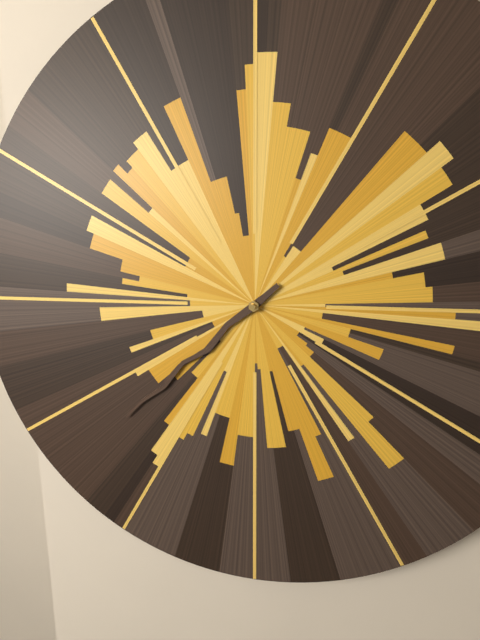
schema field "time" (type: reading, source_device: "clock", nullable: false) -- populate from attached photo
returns 7:38
